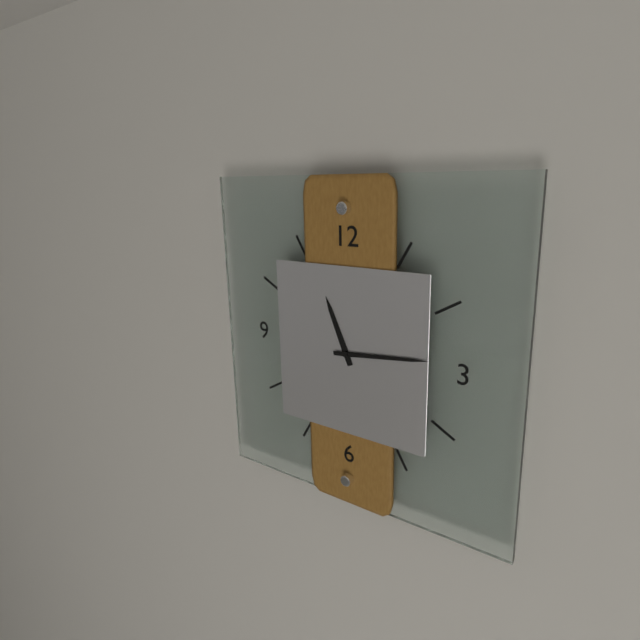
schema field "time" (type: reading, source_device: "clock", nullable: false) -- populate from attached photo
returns 11:14
